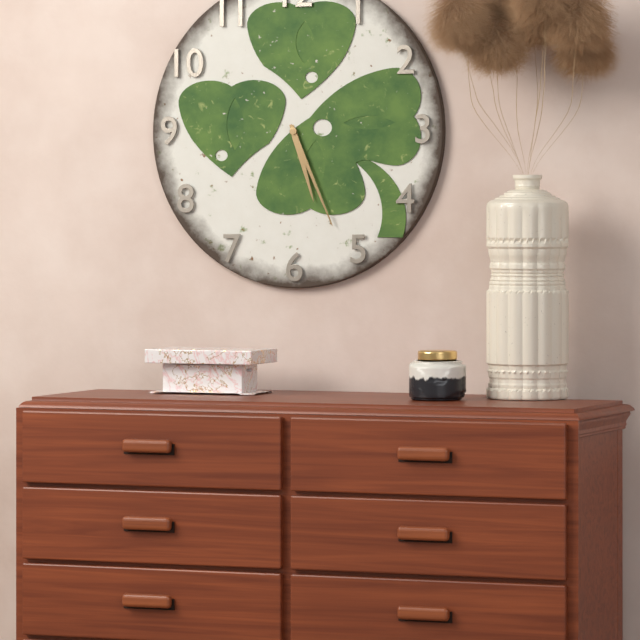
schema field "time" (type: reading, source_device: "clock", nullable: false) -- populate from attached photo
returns 5:26
